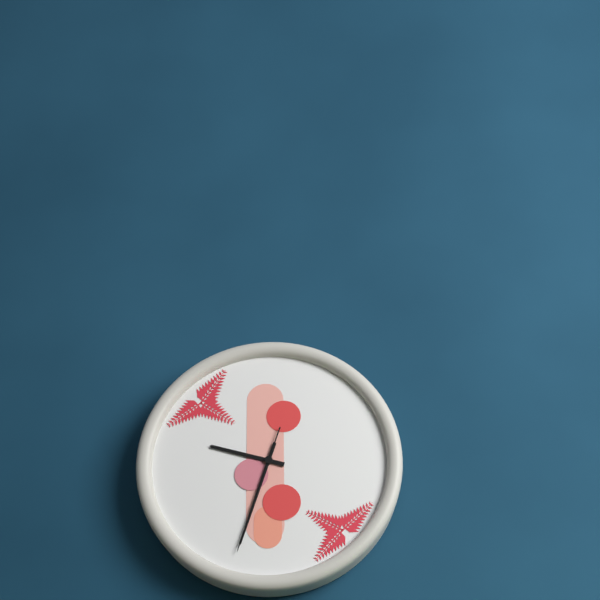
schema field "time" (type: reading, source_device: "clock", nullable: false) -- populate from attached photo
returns 9:33:33
